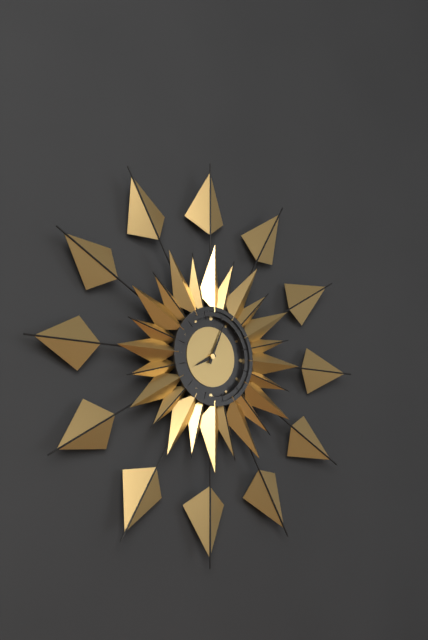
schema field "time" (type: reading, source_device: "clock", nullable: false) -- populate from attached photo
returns 8:04
